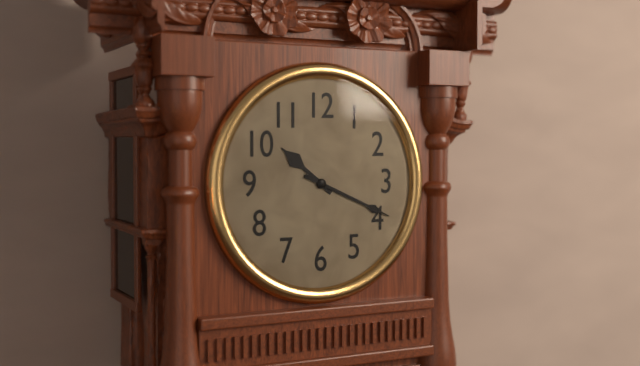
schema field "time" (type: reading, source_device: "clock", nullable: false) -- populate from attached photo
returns 10:19
